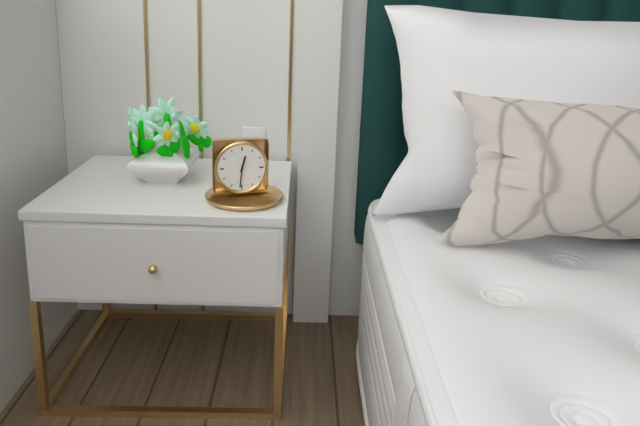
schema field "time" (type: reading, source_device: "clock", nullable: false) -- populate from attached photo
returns 12:31
